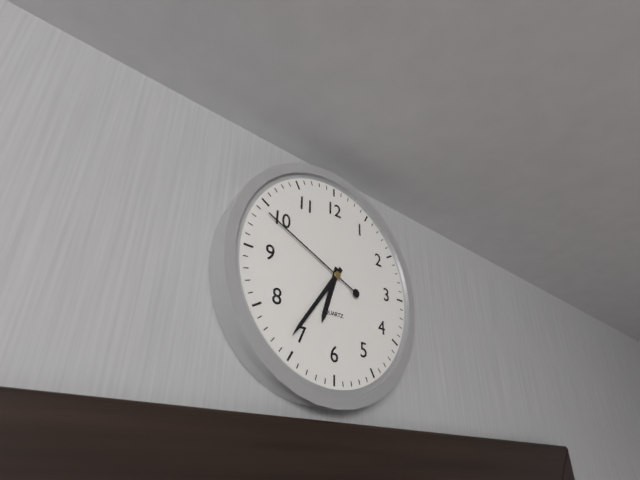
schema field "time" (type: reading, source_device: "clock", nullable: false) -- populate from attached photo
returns 6:36:49
